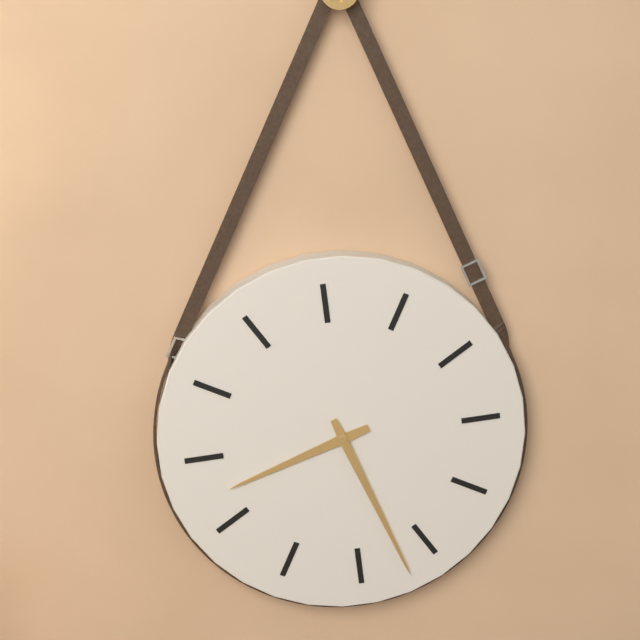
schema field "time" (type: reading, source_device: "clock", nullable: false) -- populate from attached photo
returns 8:27
